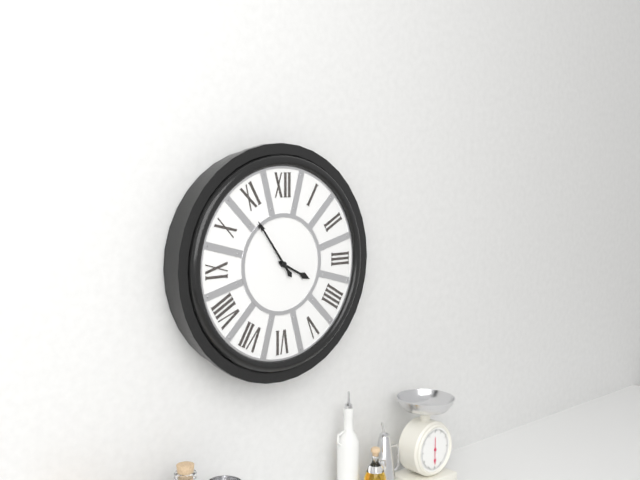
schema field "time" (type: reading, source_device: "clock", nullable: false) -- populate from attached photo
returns 3:54
